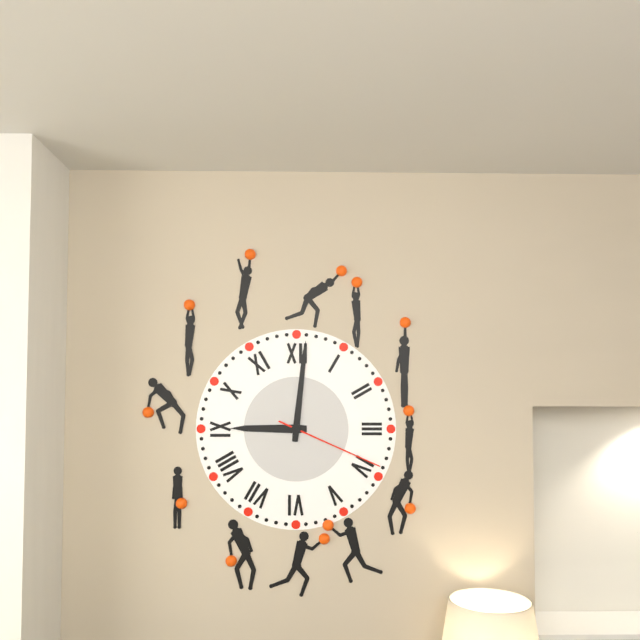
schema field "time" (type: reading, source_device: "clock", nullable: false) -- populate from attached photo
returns 9:01:19
